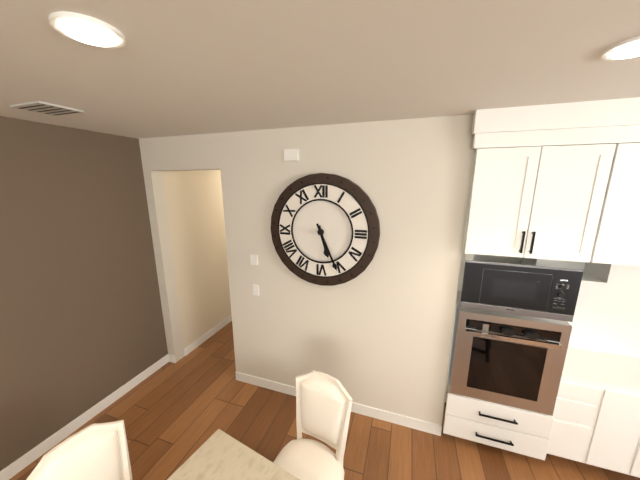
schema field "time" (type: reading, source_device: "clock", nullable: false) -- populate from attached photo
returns 5:26
